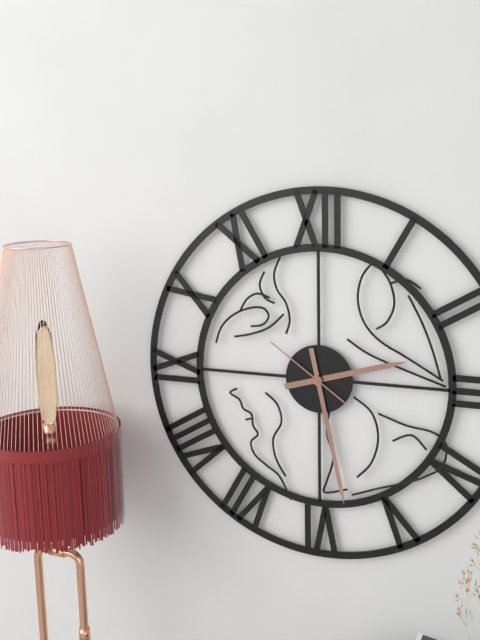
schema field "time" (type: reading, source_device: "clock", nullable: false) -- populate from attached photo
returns 2:28:51
